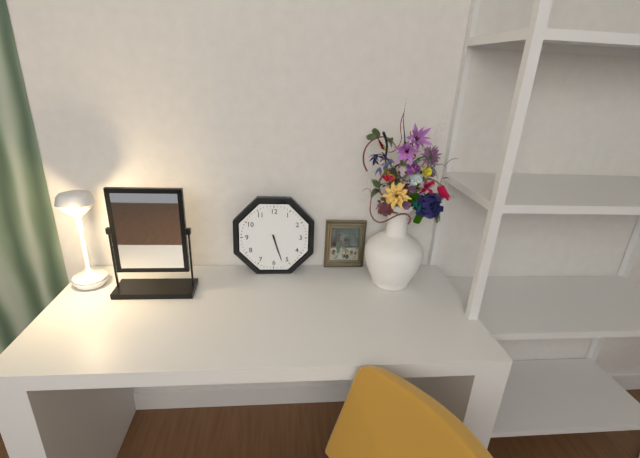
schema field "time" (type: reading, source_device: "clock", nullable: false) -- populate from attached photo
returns 5:27
